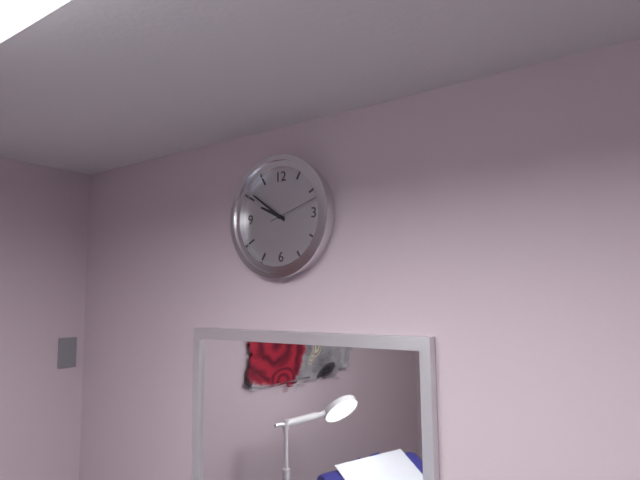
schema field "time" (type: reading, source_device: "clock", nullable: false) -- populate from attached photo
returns 9:51:12
